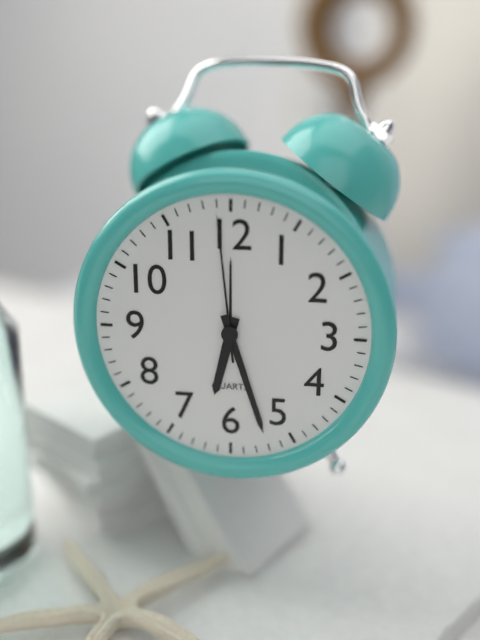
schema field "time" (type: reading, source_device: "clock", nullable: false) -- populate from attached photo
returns 6:27:59
